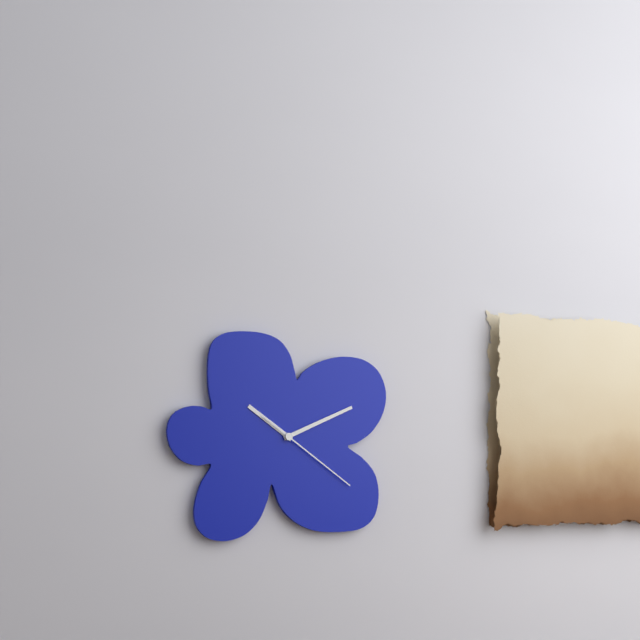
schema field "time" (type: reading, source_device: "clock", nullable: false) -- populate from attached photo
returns 10:11:21
